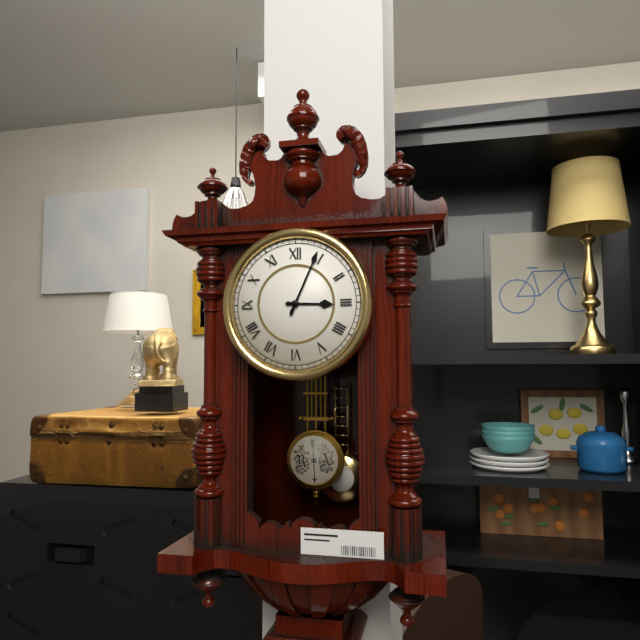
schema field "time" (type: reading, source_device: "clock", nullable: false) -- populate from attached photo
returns 3:04
